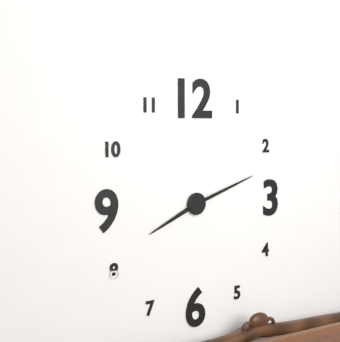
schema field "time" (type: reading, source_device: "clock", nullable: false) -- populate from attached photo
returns 8:12
